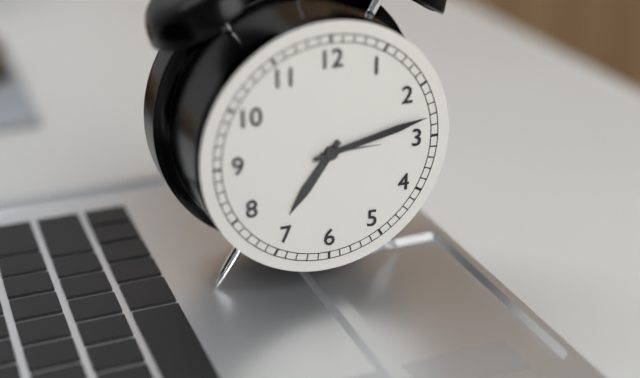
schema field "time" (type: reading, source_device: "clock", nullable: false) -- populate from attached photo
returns 7:13
